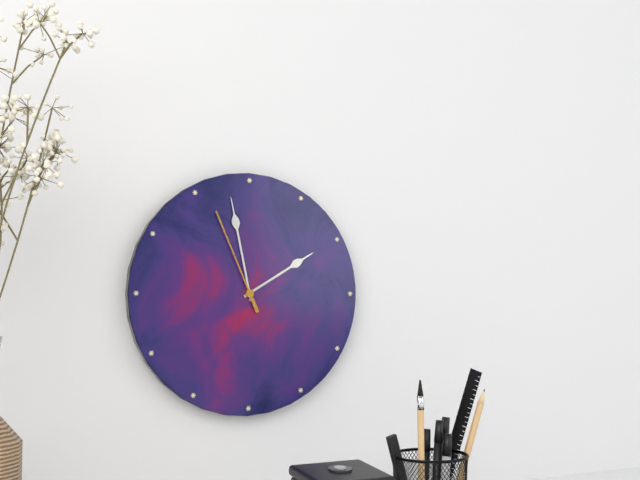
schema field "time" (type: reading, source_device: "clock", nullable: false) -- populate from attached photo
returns 1:58:56
